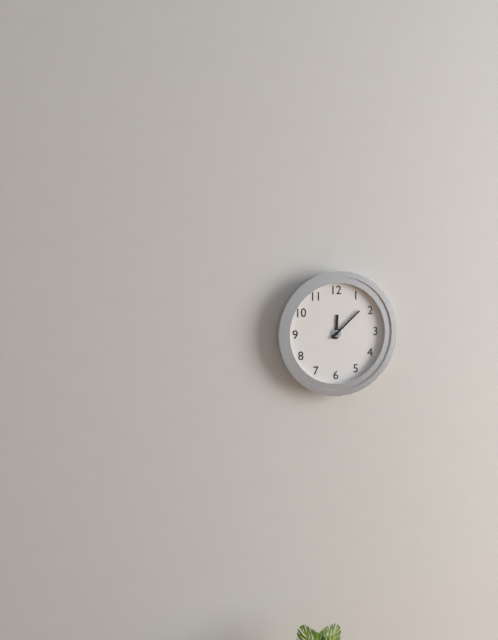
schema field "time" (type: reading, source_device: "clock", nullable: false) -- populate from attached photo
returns 12:08
